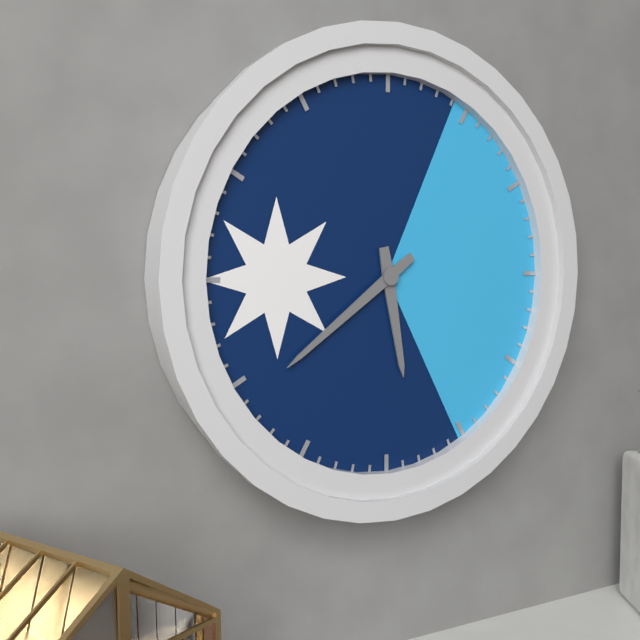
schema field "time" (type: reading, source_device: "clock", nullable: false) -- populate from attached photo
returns 5:39
